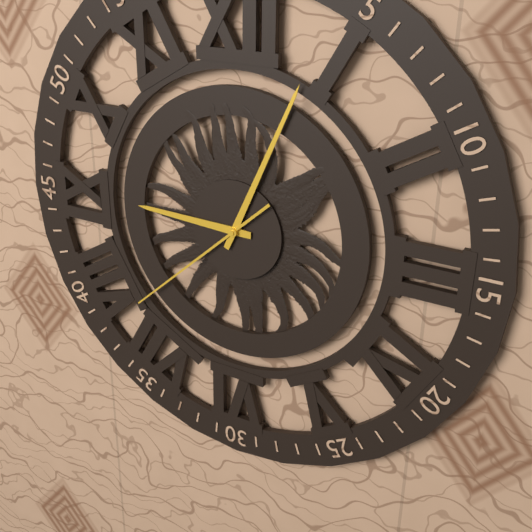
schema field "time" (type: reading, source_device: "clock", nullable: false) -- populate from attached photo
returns 9:04:38
